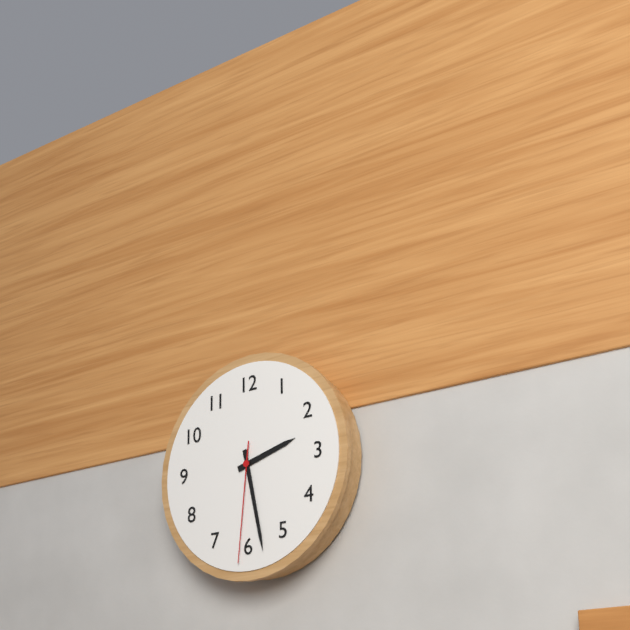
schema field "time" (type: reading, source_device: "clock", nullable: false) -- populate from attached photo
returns 2:28:31
